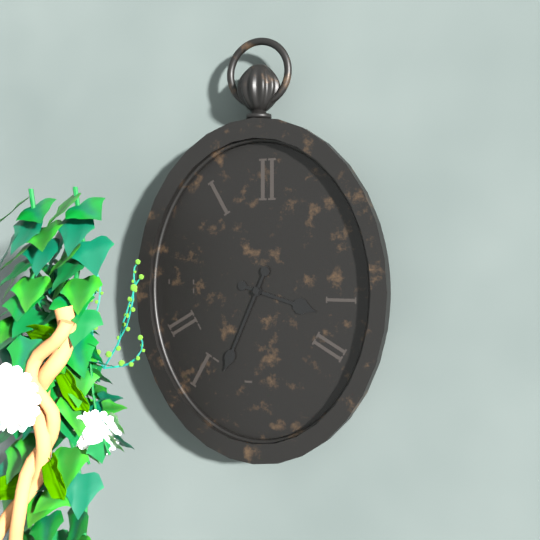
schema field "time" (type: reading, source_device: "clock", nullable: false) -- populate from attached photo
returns 3:34
